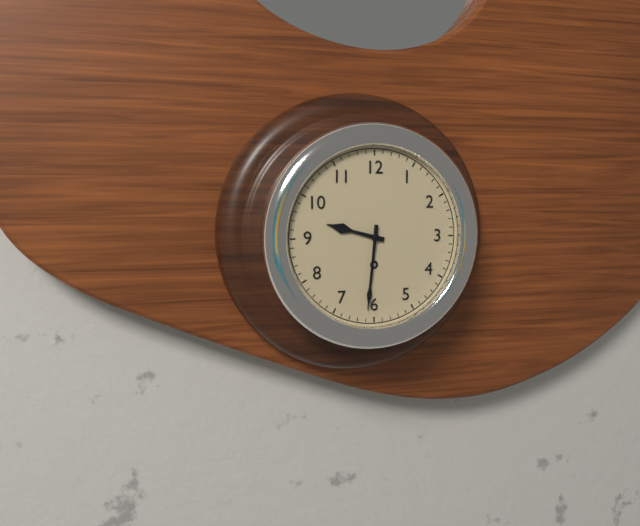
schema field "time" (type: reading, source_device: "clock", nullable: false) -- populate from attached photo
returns 9:31
